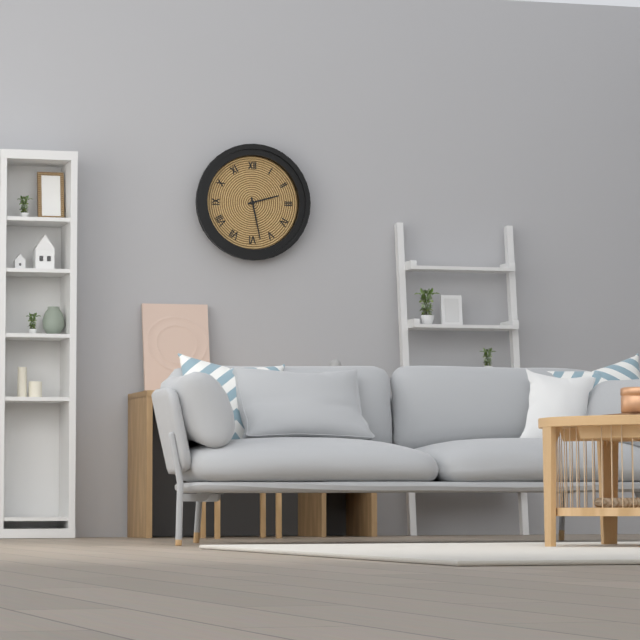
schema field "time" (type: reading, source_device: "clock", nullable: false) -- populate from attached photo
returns 2:28
